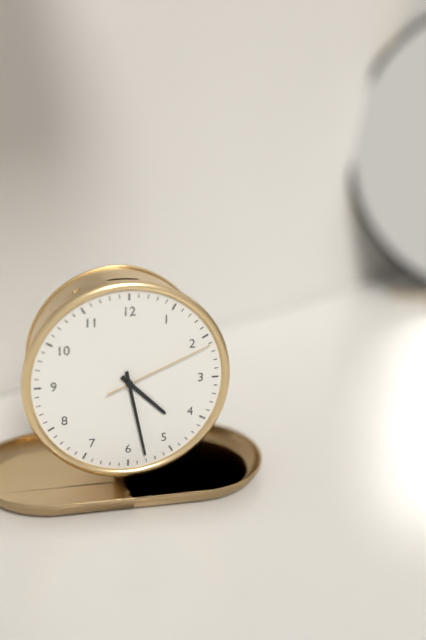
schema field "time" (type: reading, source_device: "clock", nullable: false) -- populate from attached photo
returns 4:28:11
